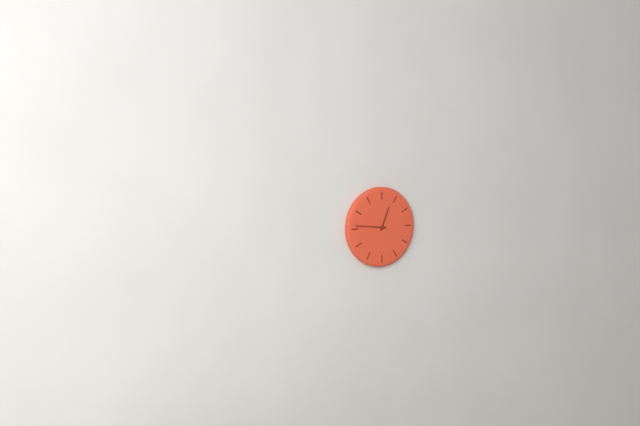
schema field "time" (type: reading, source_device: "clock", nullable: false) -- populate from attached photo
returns 12:46
